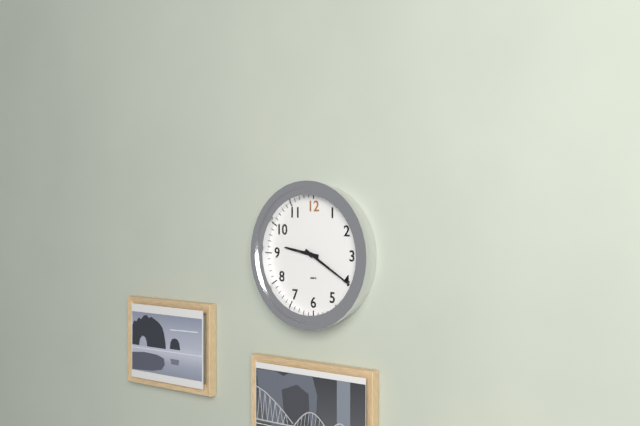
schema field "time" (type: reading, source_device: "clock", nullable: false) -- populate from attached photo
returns 9:20
